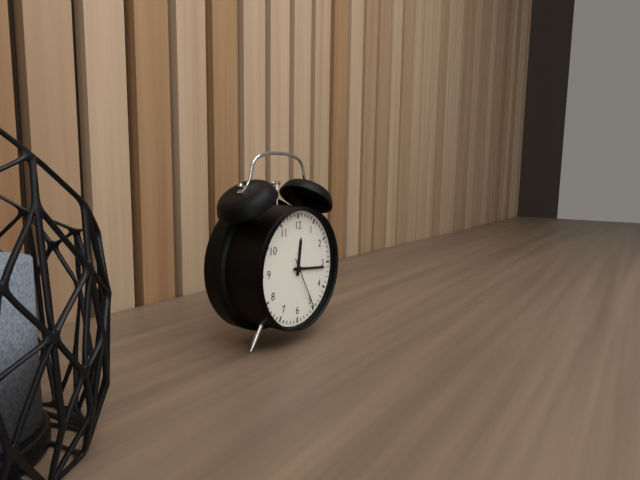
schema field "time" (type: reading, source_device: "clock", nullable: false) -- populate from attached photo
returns 12:16:25
